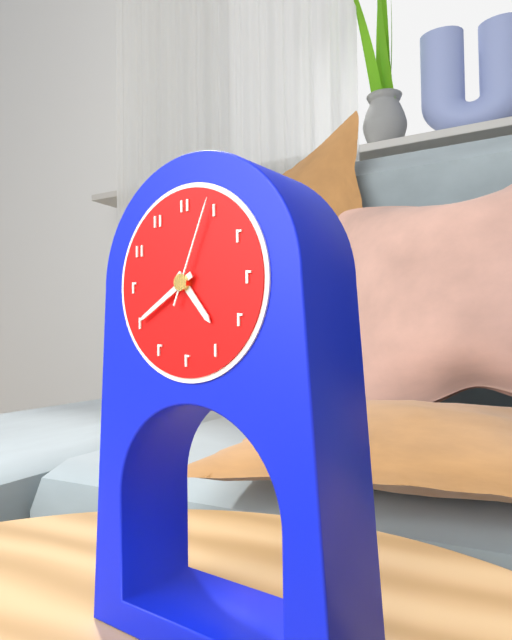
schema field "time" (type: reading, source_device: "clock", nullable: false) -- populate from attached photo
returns 4:40:04
